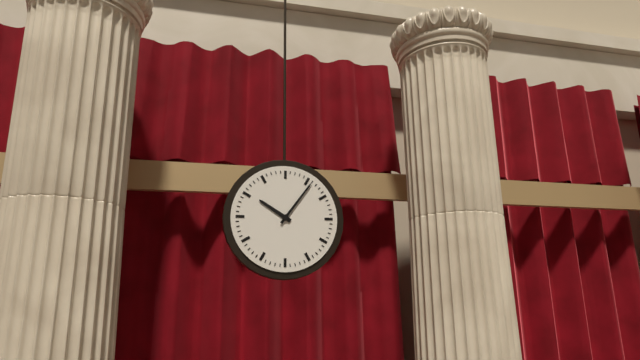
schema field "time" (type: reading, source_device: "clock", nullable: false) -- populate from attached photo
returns 10:06
